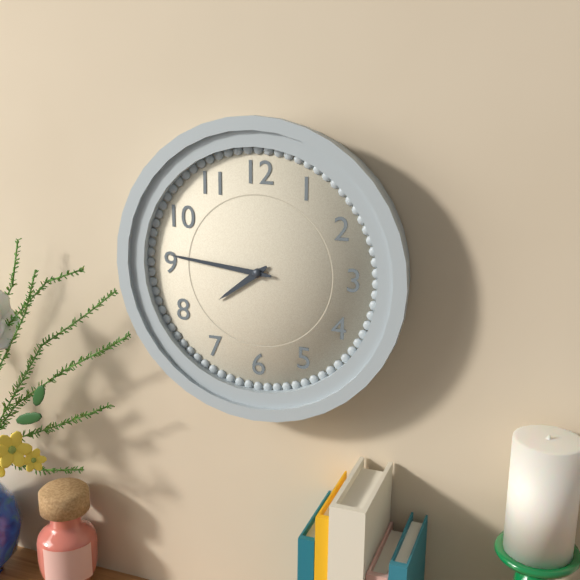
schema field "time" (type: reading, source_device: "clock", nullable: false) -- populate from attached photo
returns 7:46
